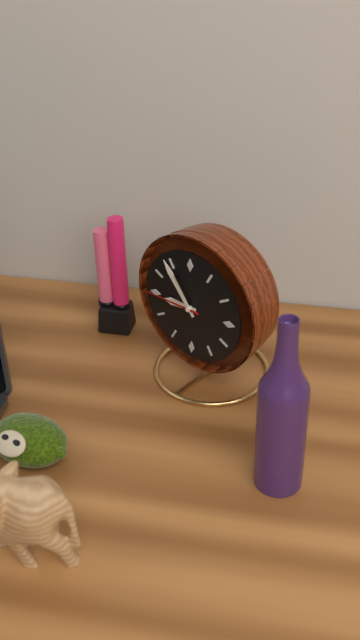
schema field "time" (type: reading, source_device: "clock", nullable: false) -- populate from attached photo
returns 8:54:45
